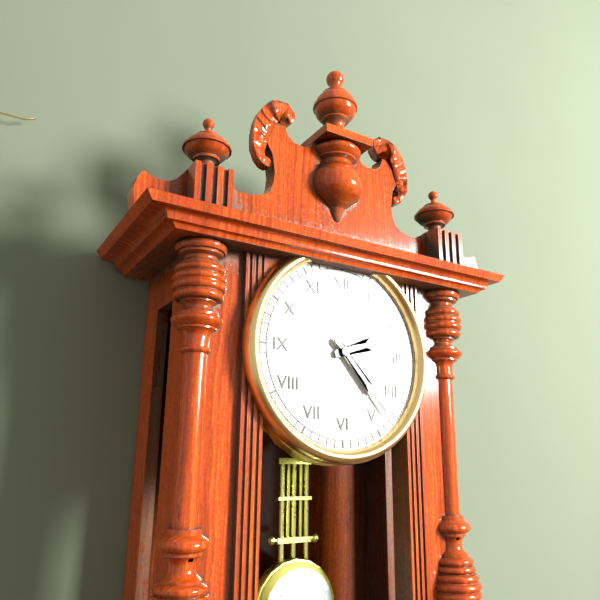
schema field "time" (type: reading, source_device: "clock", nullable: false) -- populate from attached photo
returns 2:23
